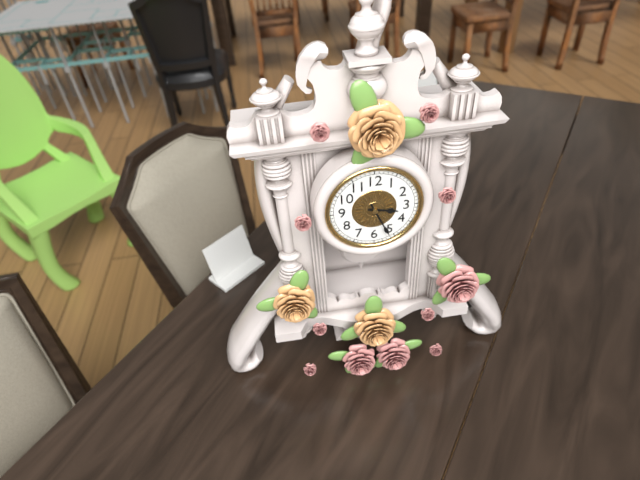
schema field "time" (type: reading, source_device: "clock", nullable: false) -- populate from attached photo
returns 3:26
